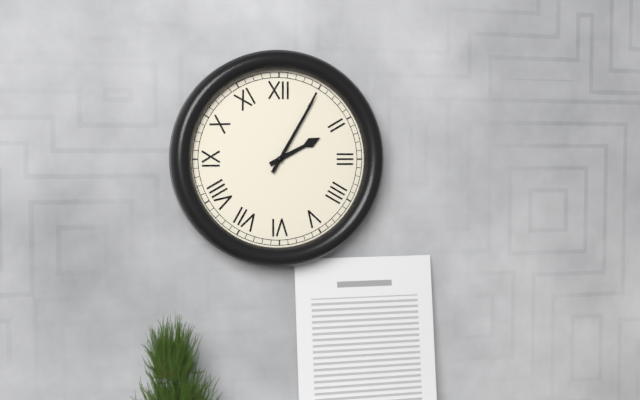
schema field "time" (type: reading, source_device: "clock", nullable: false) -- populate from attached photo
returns 2:05
